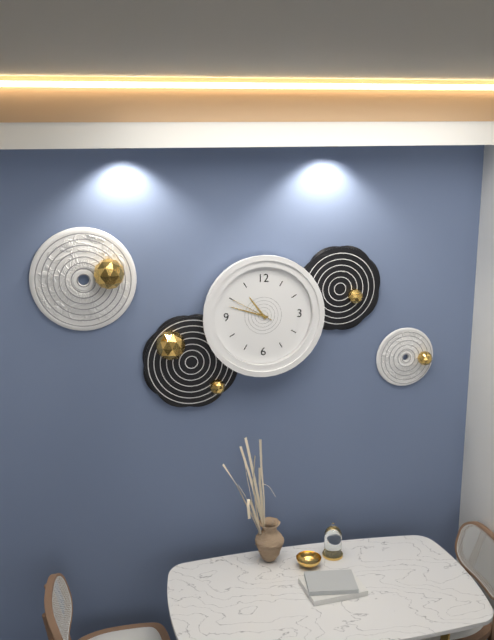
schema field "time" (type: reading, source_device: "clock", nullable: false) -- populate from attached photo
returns 10:48
